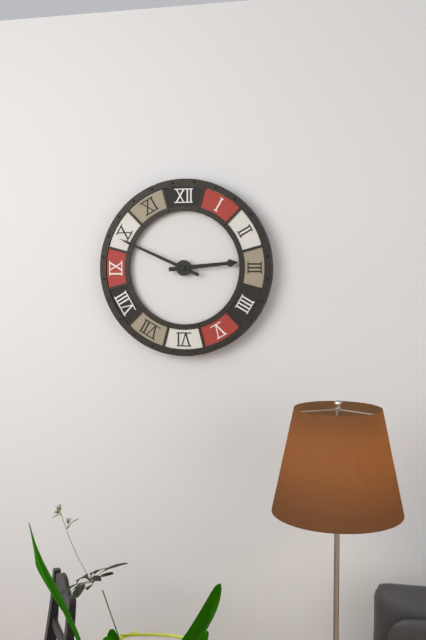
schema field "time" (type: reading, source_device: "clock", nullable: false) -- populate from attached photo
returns 2:49
